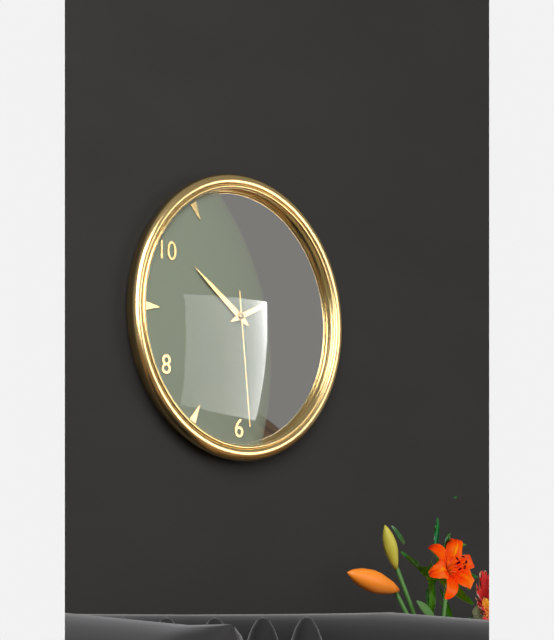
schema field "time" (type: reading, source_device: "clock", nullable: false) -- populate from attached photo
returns 10:11:29
